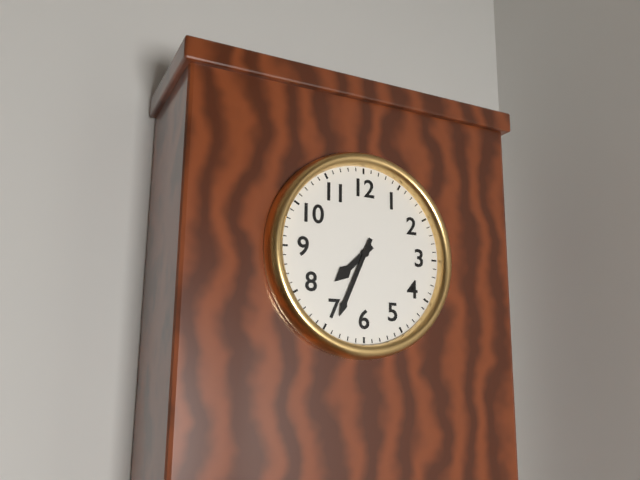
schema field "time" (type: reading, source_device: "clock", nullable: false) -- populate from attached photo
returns 7:34
